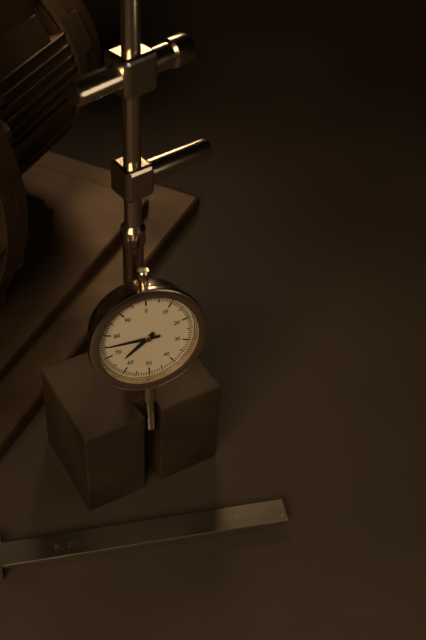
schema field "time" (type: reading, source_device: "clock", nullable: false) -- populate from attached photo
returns 7:45
